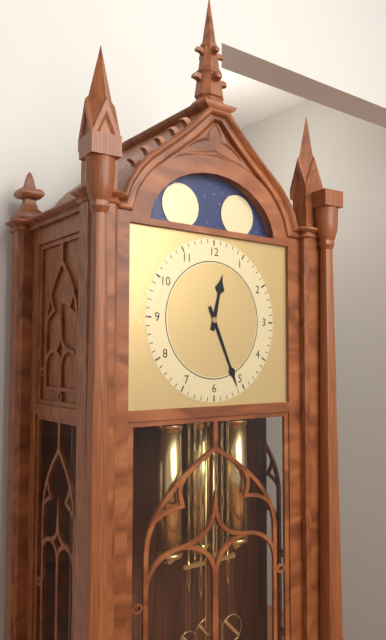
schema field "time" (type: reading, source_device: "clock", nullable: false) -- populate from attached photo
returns 12:26
